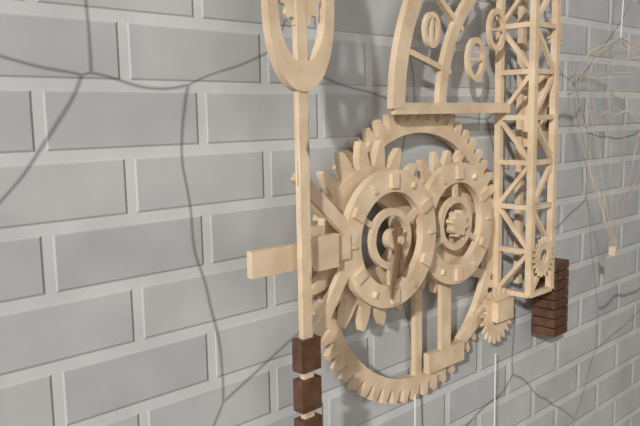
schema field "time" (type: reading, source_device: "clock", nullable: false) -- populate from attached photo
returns 5:32
